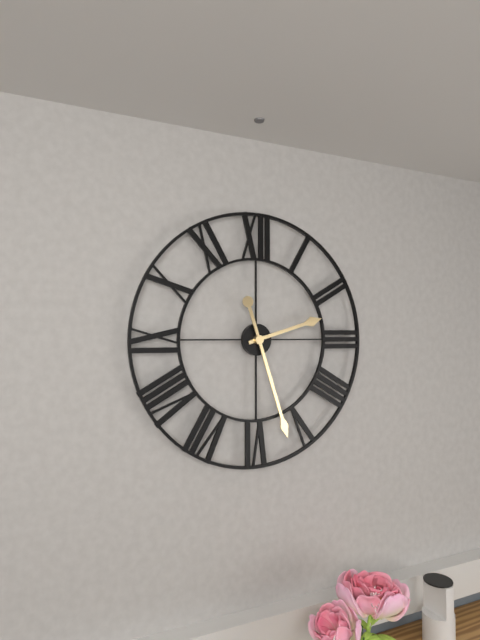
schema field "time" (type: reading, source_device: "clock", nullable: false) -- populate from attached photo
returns 2:27
